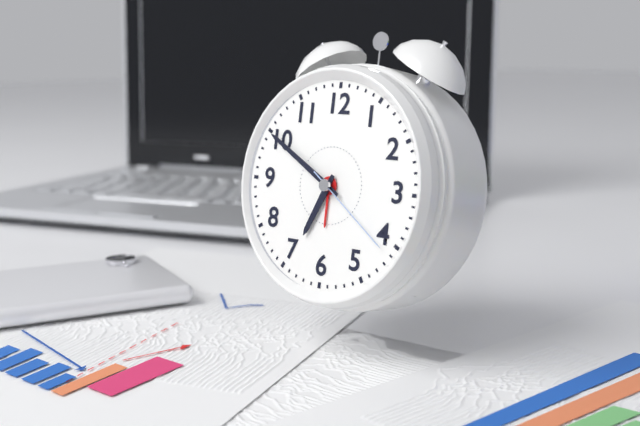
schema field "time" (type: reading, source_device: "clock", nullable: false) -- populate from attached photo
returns 6:50:21
